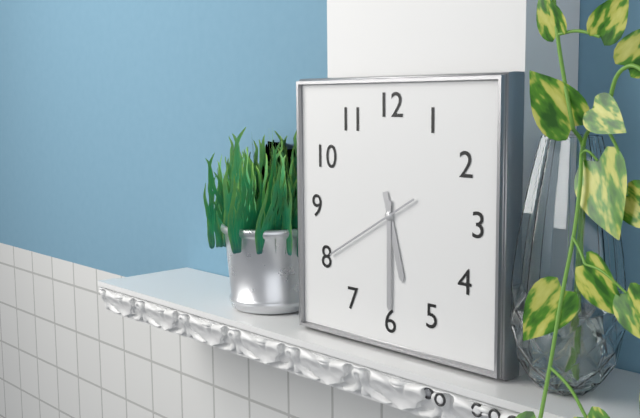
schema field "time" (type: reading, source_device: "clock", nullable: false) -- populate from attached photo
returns 5:30:40
